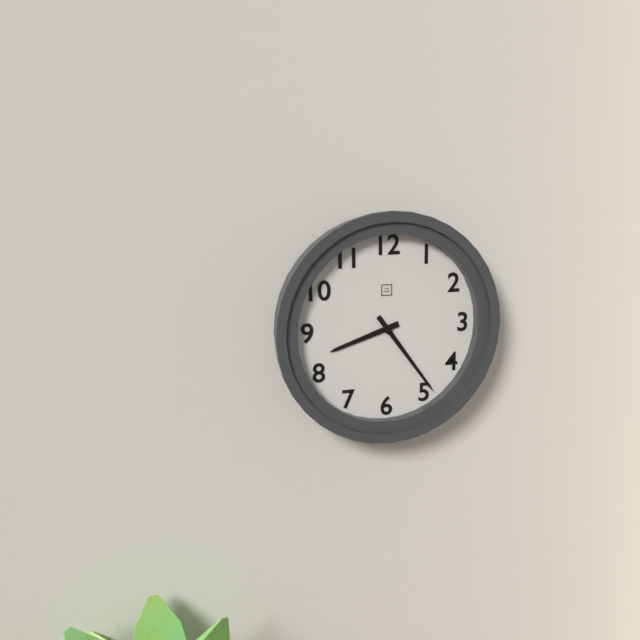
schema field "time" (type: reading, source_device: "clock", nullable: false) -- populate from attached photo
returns 8:24
